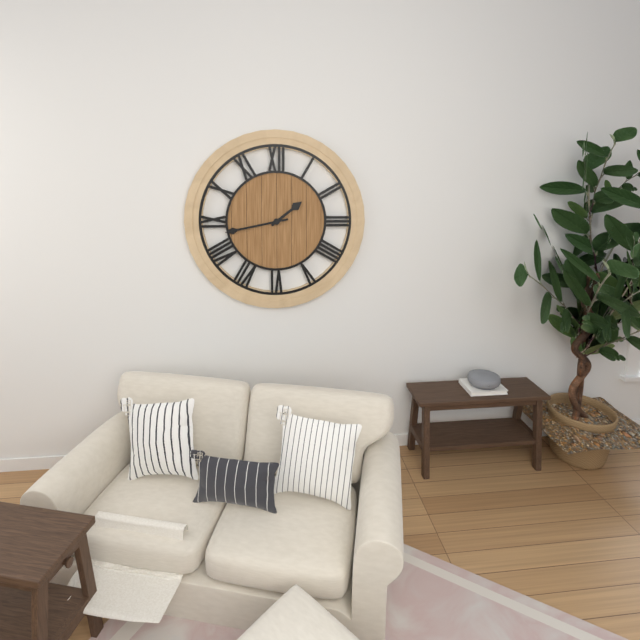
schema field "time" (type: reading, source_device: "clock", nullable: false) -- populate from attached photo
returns 1:43
